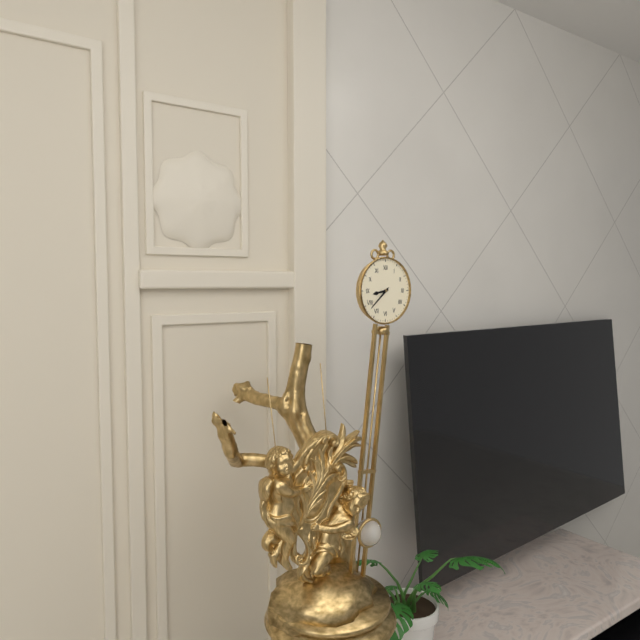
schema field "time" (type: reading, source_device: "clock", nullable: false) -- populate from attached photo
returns 8:38
